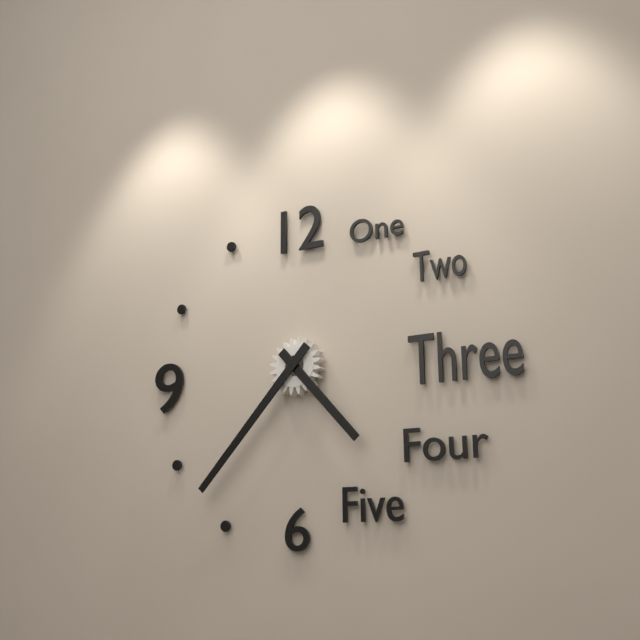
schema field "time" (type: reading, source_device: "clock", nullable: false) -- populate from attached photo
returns 4:37
